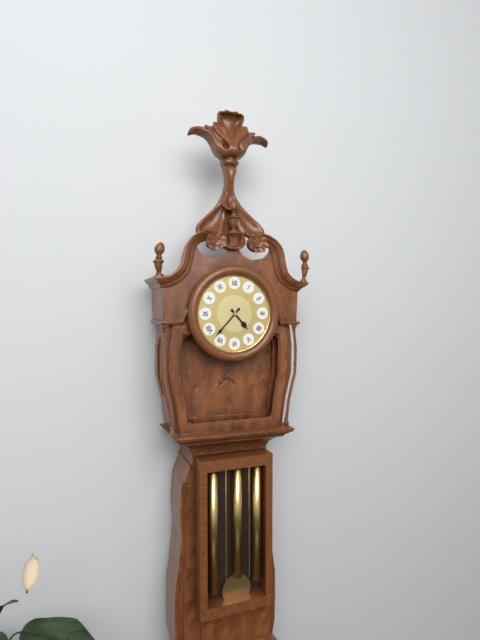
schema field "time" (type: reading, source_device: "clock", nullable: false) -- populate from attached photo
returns 4:37
